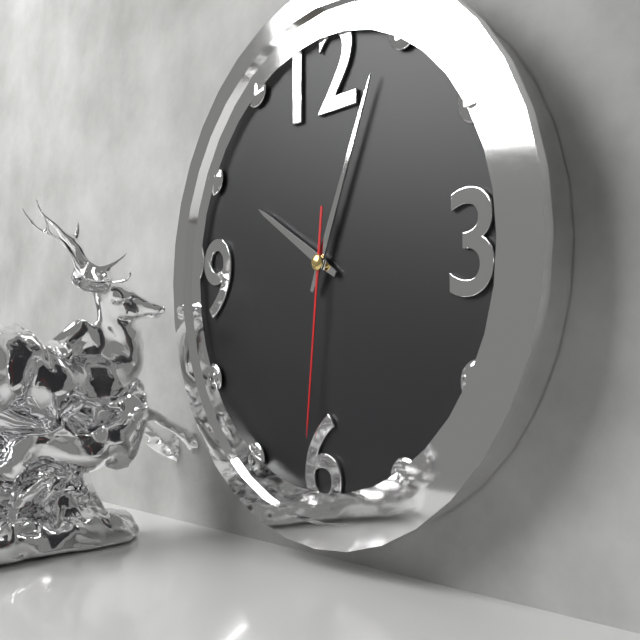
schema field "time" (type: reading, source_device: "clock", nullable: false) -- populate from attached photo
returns 10:04:31
